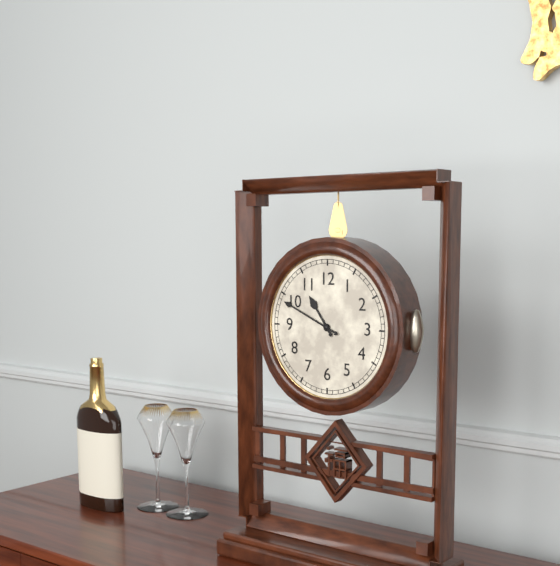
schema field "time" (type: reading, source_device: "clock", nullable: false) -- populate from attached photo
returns 10:49
